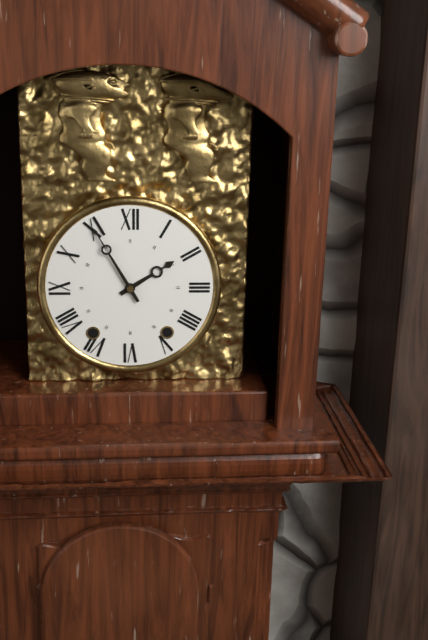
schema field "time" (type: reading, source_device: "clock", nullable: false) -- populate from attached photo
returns 1:55
